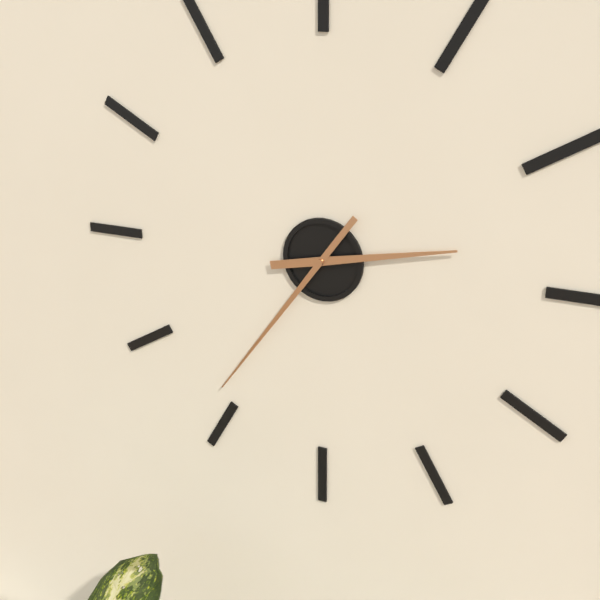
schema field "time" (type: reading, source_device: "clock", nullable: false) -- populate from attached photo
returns 2:36
